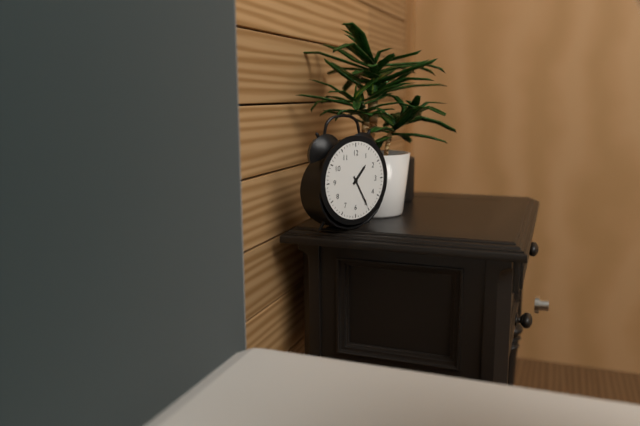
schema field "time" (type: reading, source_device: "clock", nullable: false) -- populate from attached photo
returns 1:25
